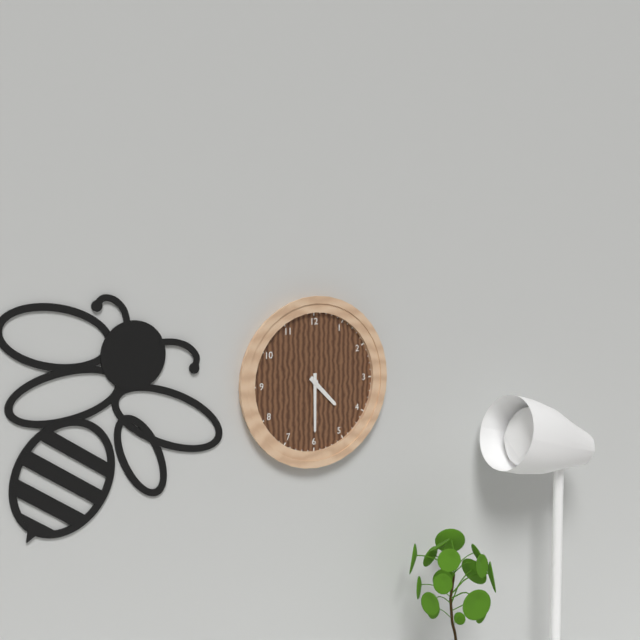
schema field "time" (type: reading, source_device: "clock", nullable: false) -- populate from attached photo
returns 4:30
